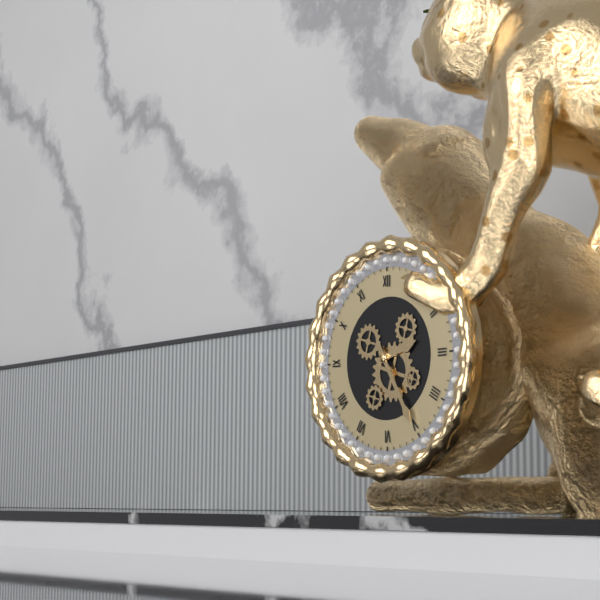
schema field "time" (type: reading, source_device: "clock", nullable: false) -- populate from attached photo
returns 2:25
